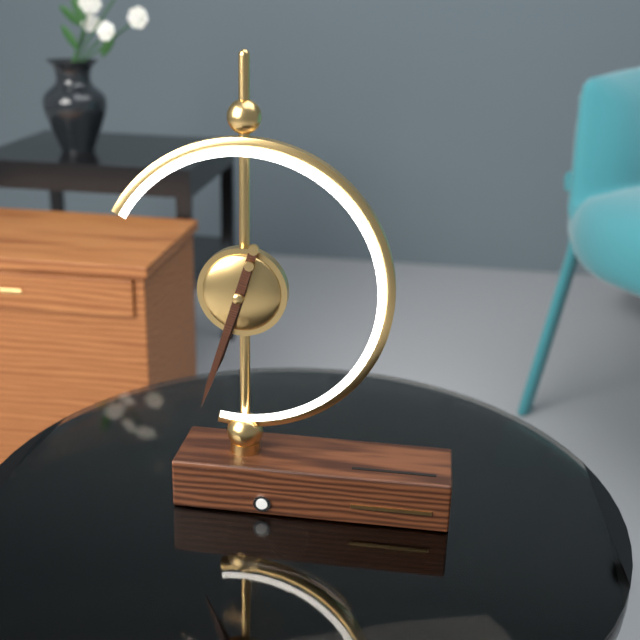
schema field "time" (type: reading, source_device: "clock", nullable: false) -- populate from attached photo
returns 6:33
